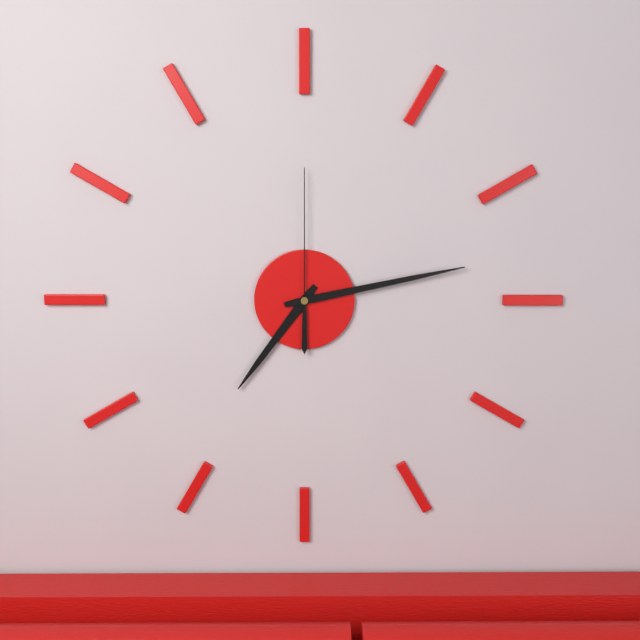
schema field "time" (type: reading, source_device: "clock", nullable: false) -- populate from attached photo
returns 7:13:00
